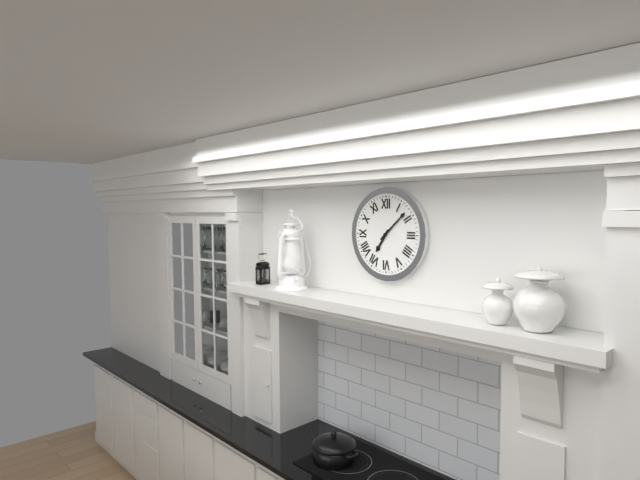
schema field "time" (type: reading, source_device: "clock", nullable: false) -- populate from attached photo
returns 7:08
